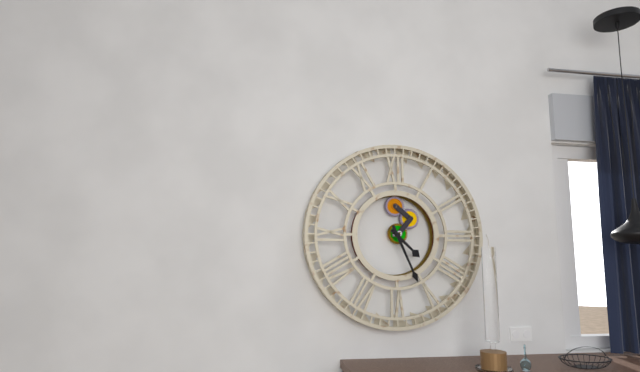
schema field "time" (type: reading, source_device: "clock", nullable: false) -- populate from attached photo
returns 4:26
